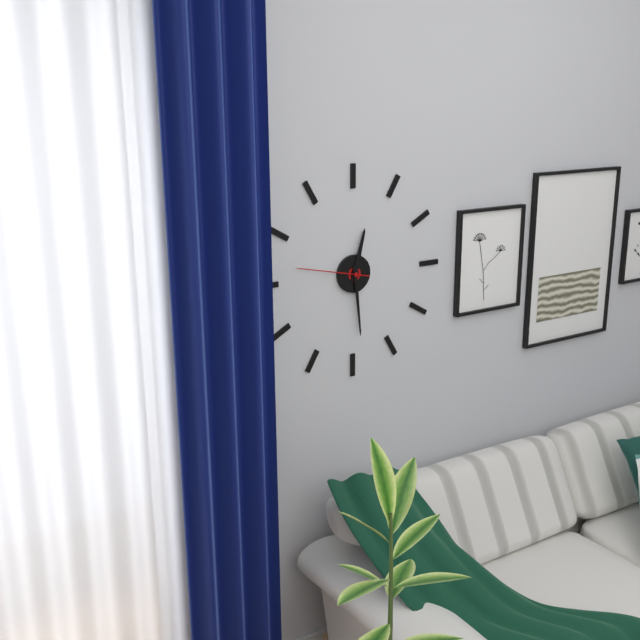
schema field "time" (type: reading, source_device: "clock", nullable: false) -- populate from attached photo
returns 12:29:47
